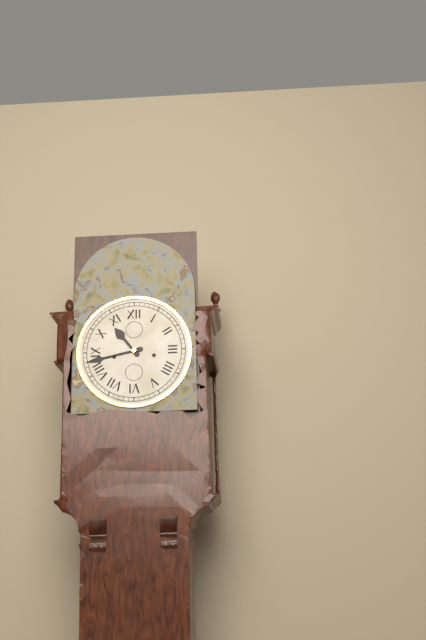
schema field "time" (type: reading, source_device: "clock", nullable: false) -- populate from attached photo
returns 10:43
